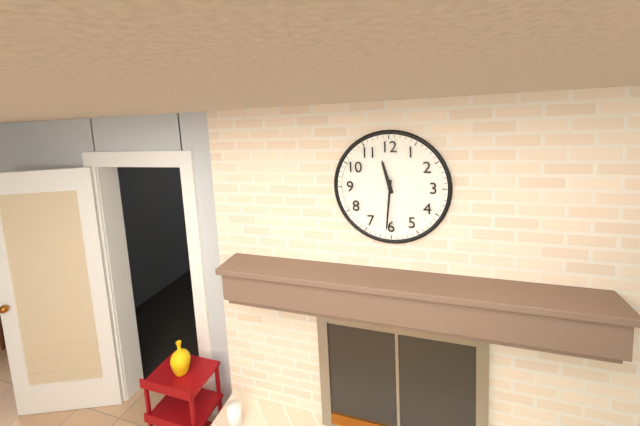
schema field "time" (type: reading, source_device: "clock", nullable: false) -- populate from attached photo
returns 11:31
